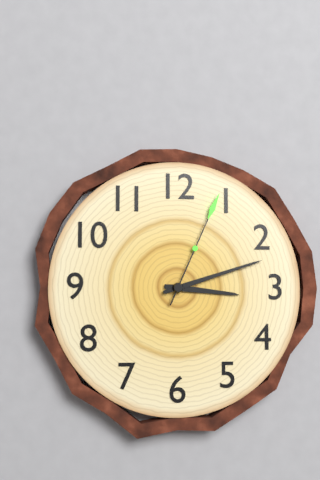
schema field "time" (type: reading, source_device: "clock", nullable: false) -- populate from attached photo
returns 3:12:04
